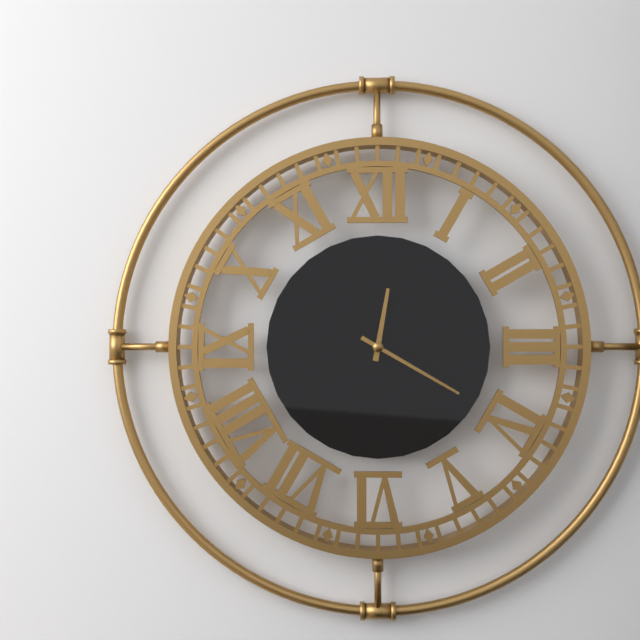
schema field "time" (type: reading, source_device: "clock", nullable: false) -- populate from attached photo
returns 12:20
